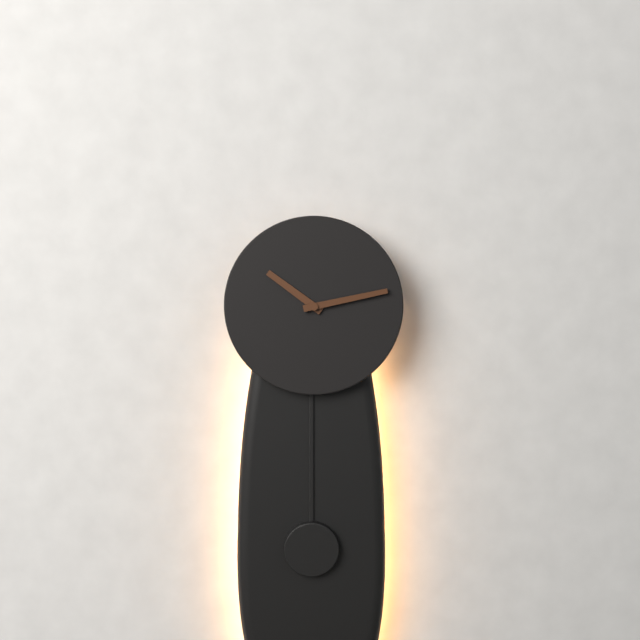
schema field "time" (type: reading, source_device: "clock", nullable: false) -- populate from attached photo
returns 10:13
